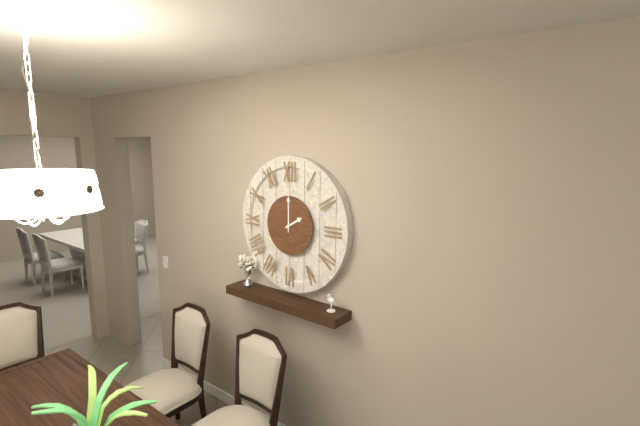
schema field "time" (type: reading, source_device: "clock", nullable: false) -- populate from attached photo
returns 2:00
